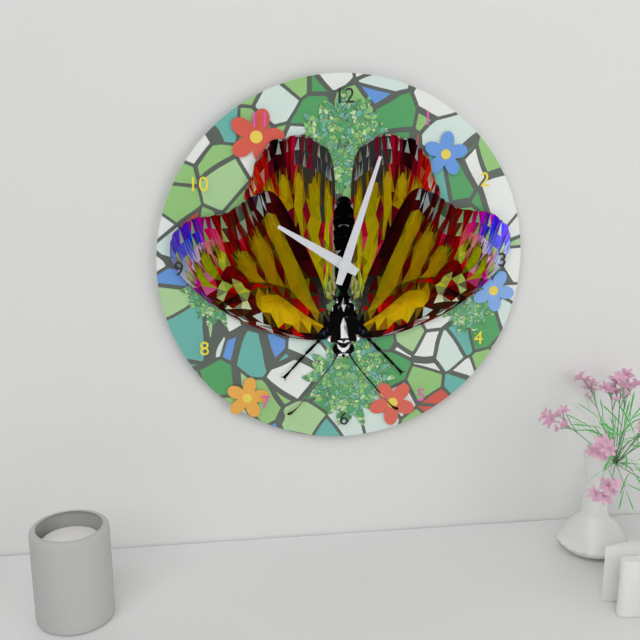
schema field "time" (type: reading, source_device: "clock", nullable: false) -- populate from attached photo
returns 10:03
